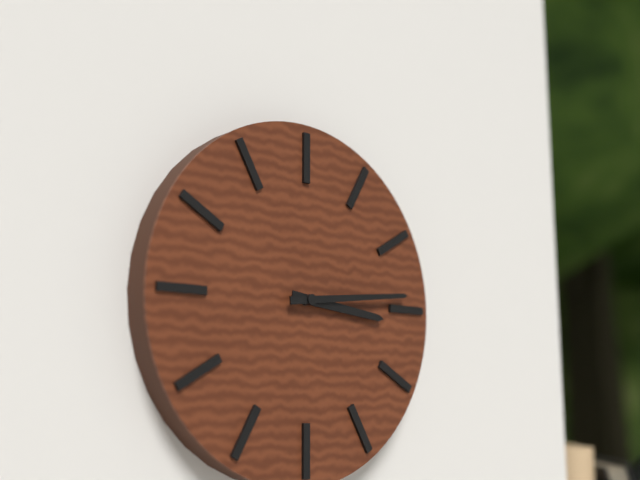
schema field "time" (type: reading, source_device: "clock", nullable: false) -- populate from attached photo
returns 3:14
